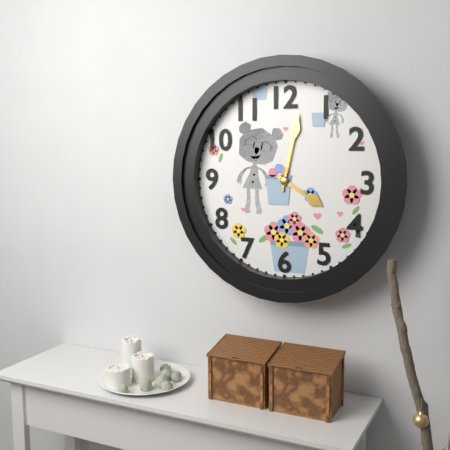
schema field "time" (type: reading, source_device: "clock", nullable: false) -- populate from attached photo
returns 4:02
